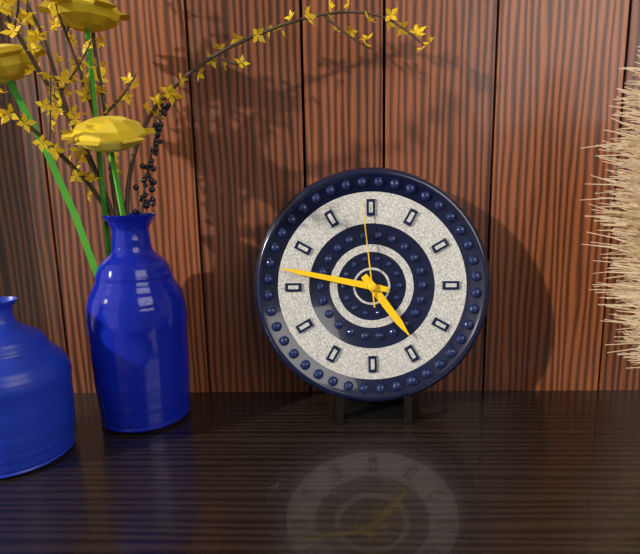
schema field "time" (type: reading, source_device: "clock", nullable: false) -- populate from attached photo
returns 4:47:59
